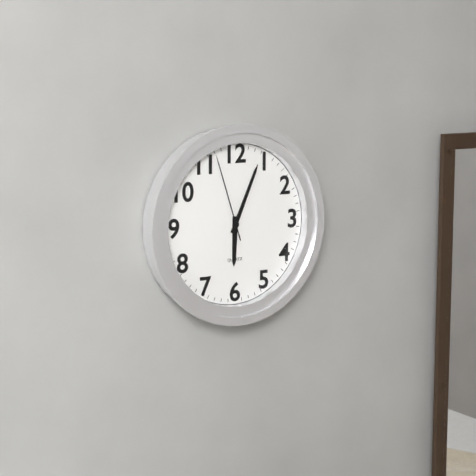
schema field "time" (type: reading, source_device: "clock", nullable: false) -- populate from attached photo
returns 6:04:57
